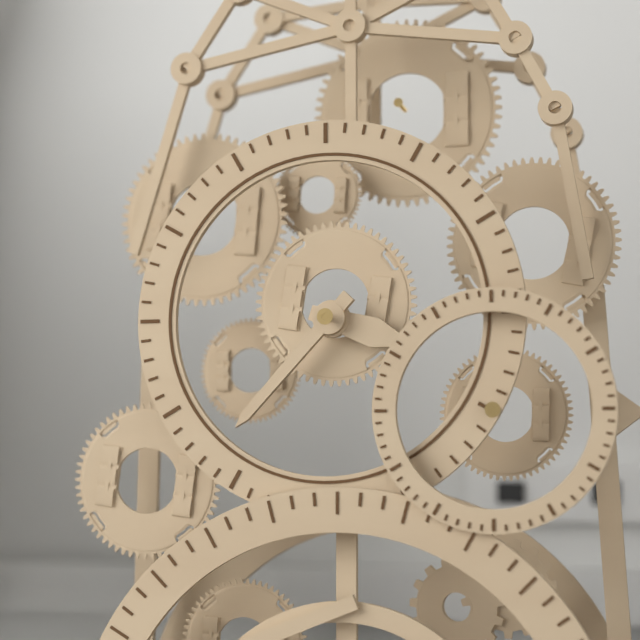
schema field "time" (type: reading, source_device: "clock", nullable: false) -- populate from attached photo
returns 3:37
